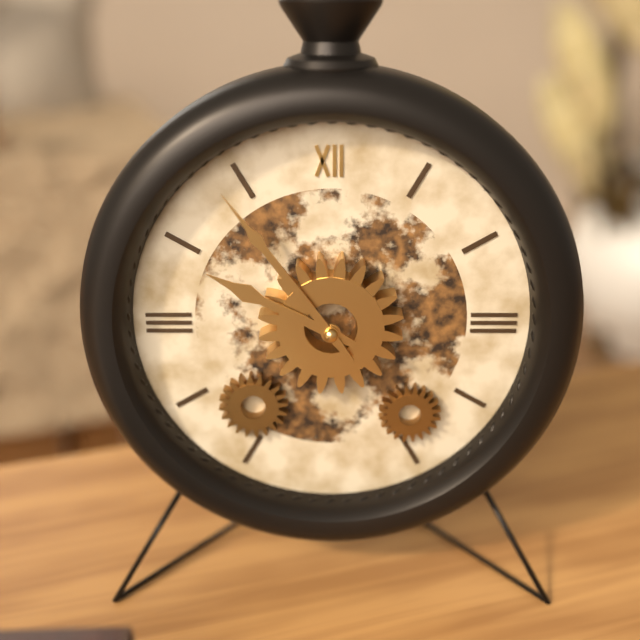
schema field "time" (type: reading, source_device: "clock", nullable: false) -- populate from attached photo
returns 9:54
